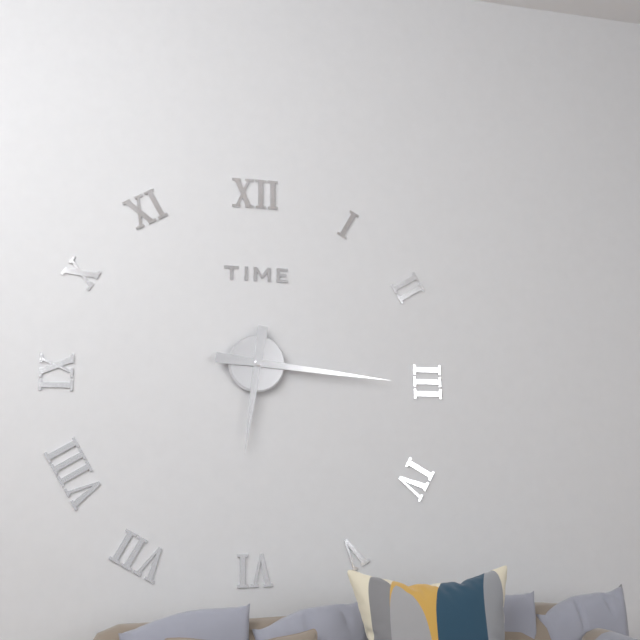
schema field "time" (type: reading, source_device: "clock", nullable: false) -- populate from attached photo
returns 6:16
